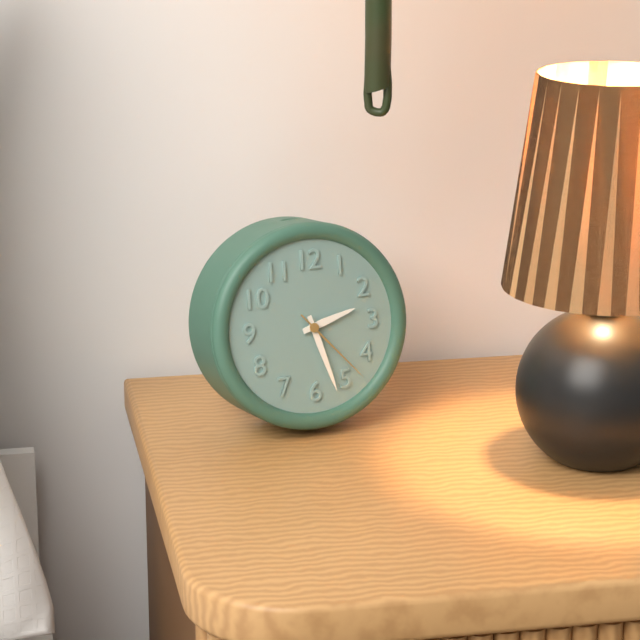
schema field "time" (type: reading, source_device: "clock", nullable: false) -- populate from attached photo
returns 2:27:23
